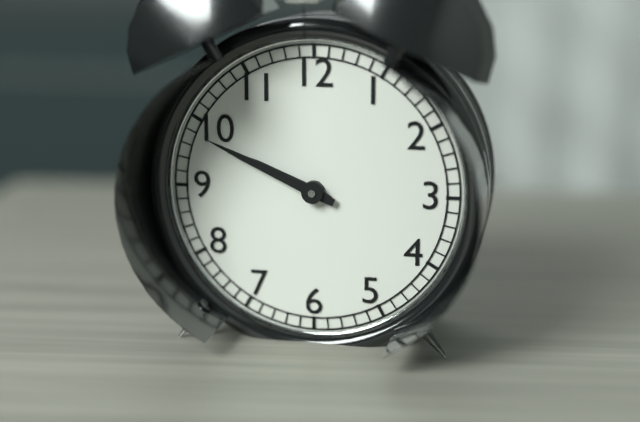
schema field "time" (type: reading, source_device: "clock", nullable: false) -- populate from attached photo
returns 9:49
